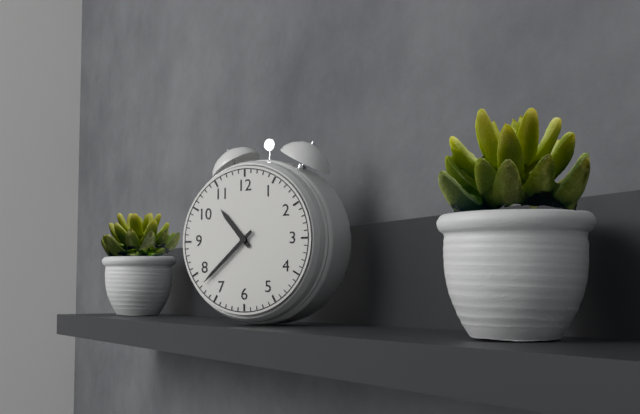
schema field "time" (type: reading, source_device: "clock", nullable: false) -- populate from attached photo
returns 10:38
